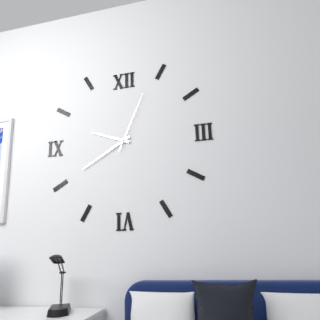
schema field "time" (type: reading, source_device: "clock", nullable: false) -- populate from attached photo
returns 9:40:04
